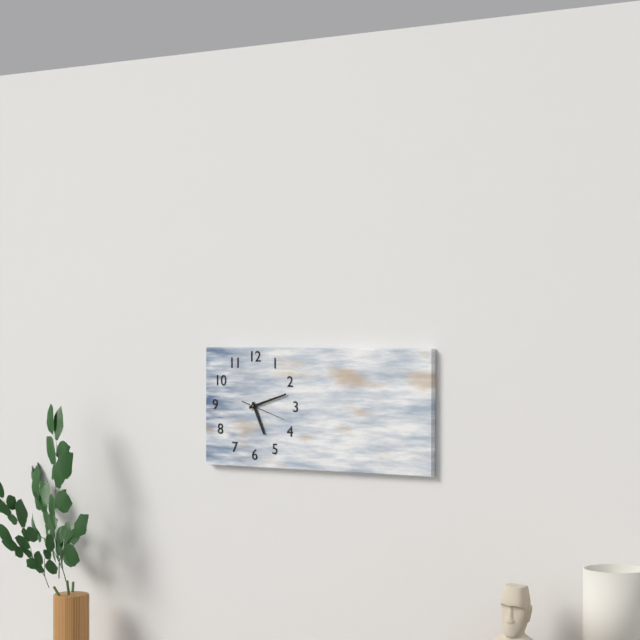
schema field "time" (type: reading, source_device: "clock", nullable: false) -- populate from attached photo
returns 5:12
